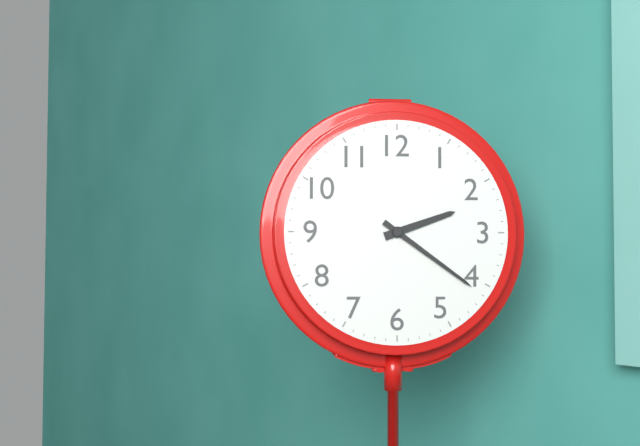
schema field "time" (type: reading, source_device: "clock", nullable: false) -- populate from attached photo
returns 2:21
